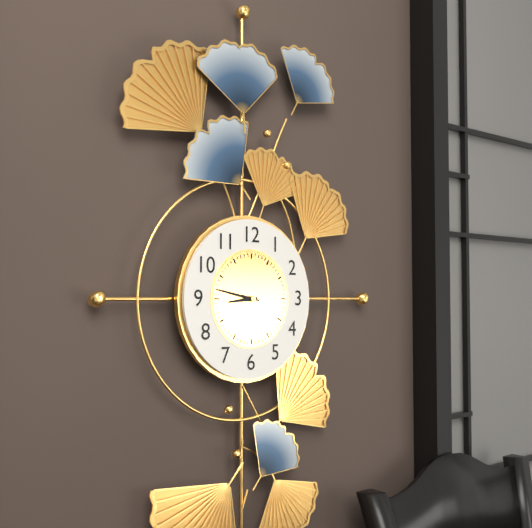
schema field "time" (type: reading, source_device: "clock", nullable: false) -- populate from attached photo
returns 8:47
